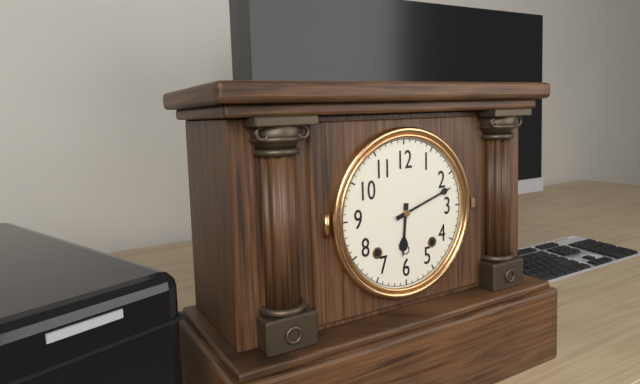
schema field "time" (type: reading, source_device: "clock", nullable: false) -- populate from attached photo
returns 6:12
